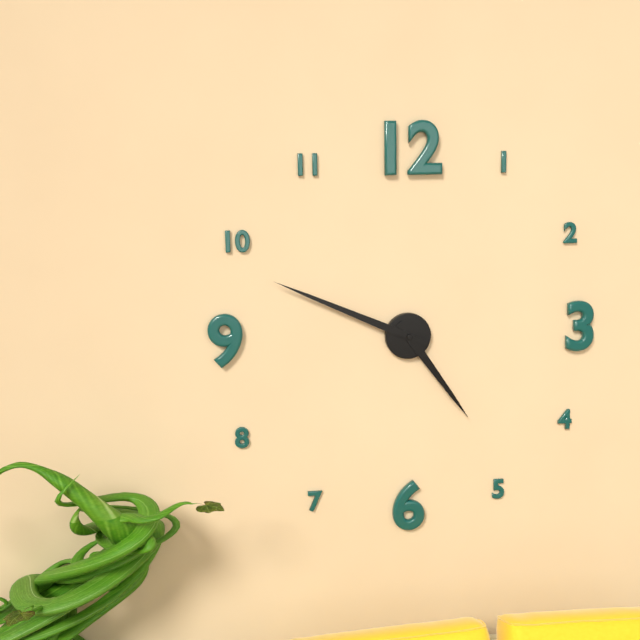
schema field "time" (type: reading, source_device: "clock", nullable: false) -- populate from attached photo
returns 4:49
